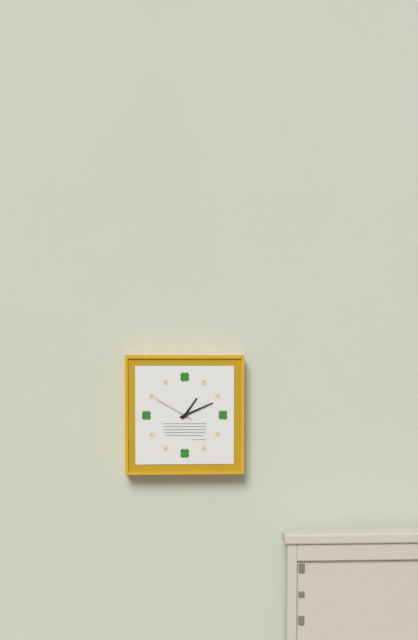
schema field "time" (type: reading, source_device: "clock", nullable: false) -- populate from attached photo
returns 1:11
